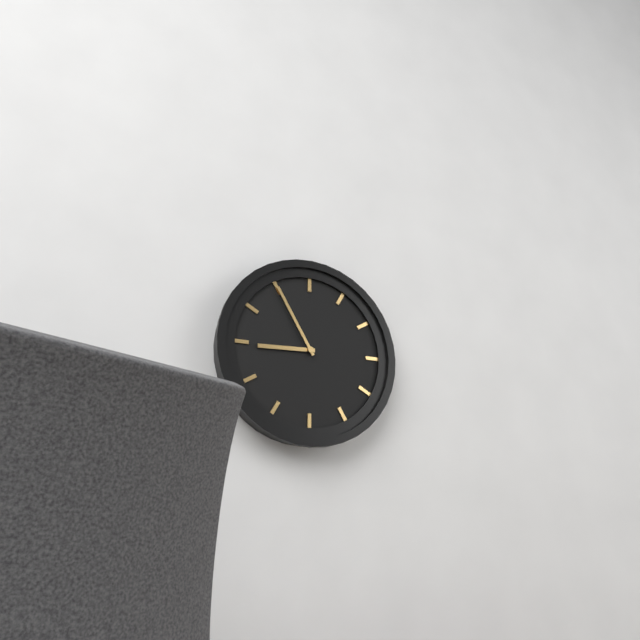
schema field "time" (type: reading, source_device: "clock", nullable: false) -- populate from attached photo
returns 8:55
